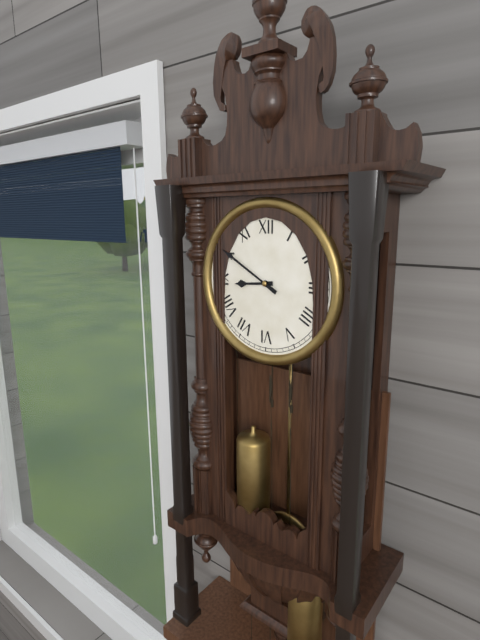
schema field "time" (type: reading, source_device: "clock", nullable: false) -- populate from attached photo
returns 8:50
